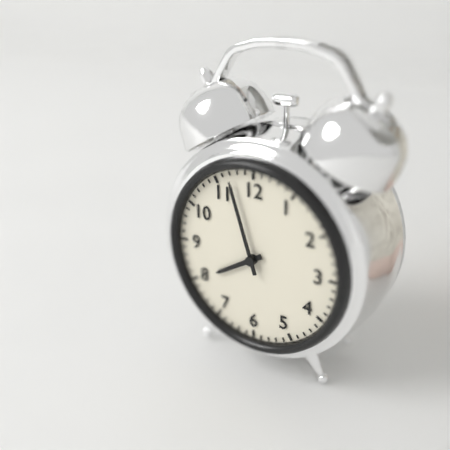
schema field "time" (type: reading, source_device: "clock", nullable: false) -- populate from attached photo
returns 7:57
